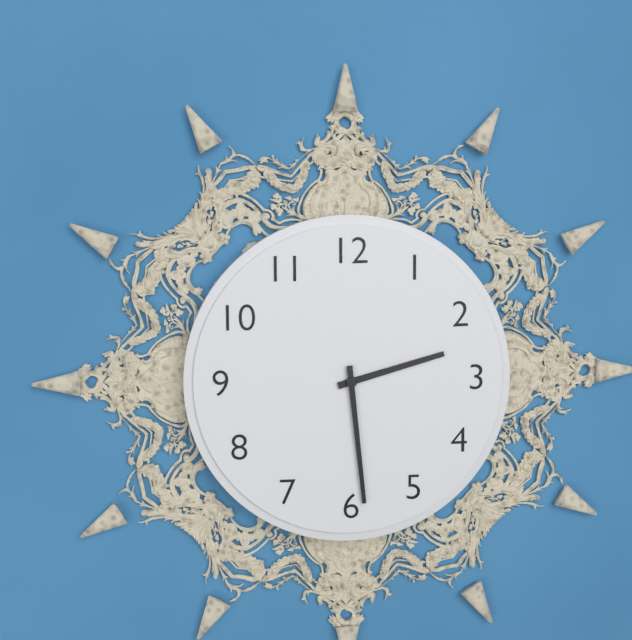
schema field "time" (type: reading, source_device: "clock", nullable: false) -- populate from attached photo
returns 2:29
